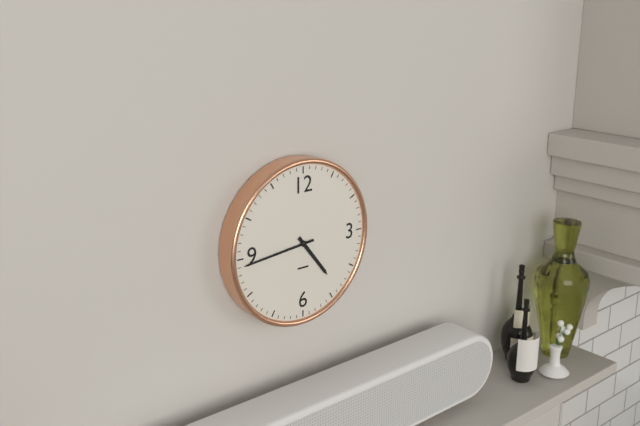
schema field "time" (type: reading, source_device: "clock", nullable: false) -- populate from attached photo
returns 4:44
